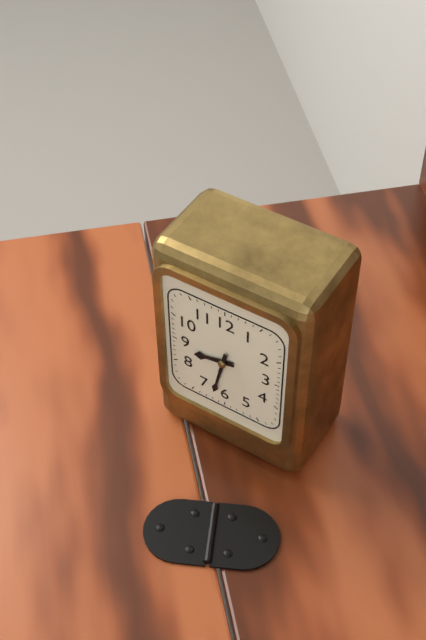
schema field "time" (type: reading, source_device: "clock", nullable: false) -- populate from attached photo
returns 8:32
